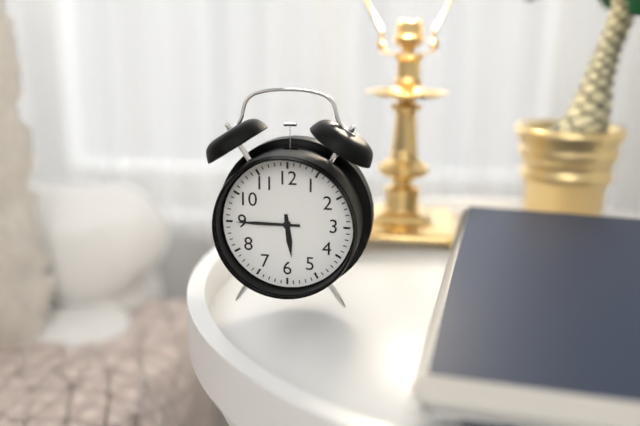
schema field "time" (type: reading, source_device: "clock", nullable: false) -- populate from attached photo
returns 5:45
